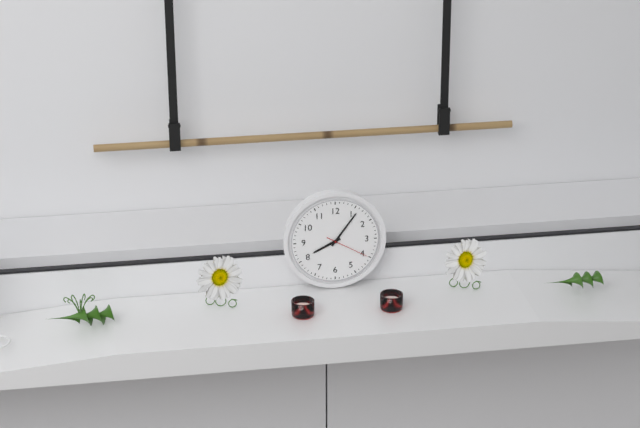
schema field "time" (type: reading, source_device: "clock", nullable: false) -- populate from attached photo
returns 8:06
